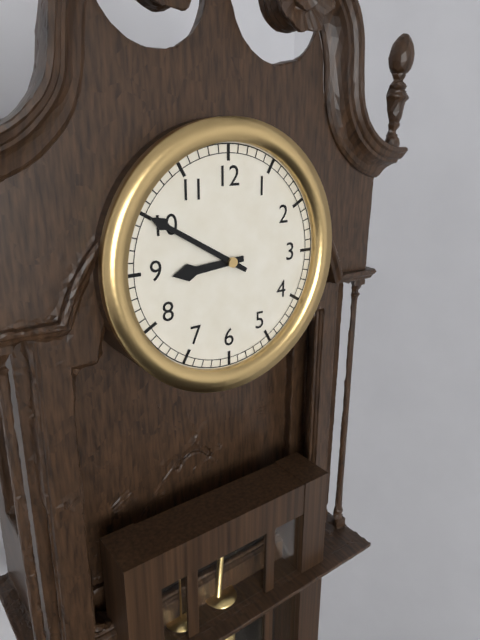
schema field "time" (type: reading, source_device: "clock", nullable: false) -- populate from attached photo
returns 8:50
